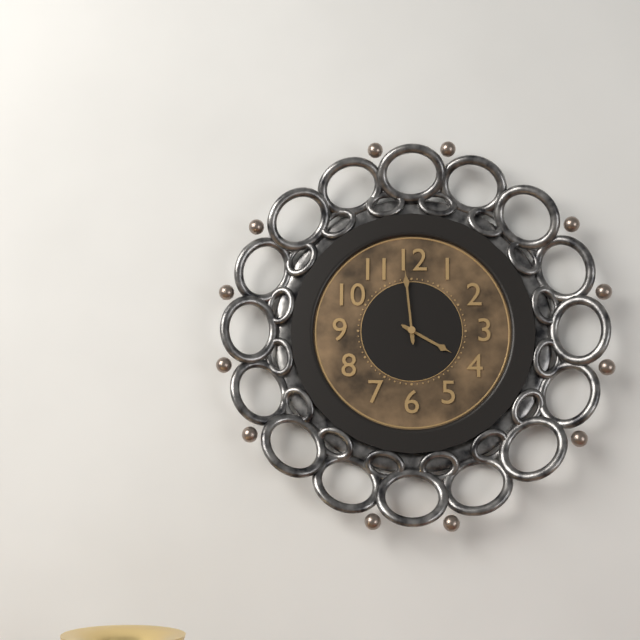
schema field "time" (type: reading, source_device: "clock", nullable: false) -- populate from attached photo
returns 3:59
